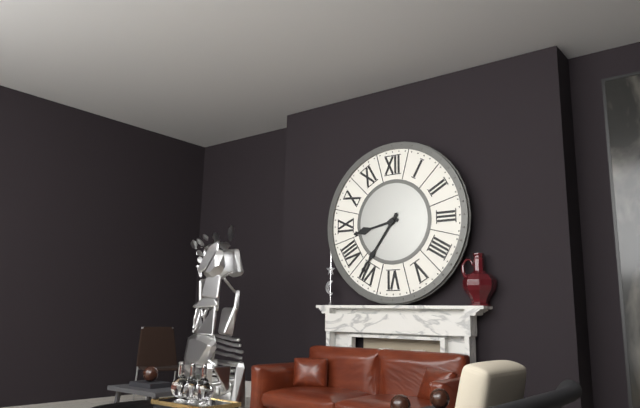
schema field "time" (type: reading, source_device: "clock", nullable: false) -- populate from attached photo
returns 8:36
